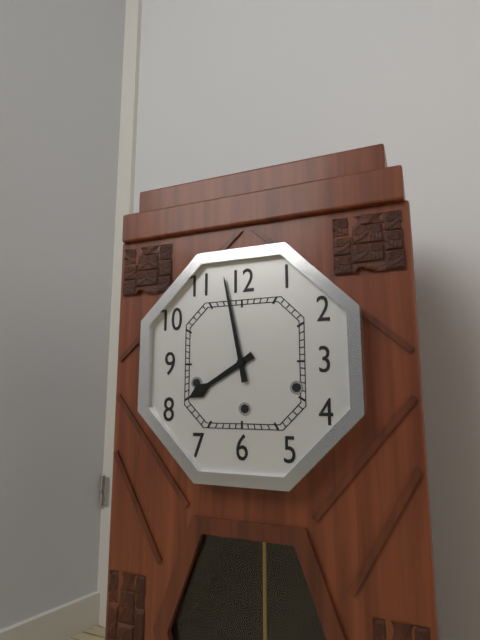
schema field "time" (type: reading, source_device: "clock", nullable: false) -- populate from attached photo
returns 7:58
